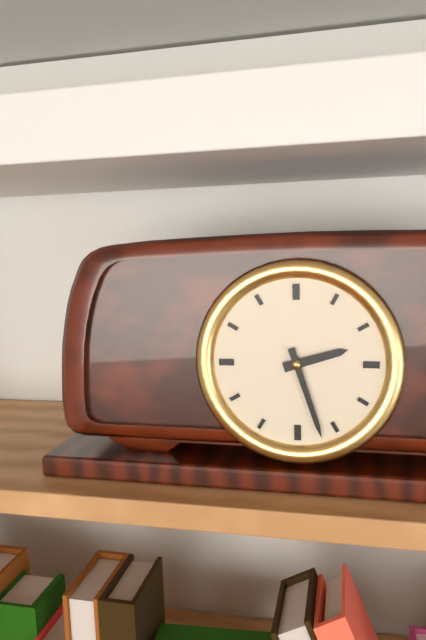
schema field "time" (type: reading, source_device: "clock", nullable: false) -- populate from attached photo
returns 2:27
